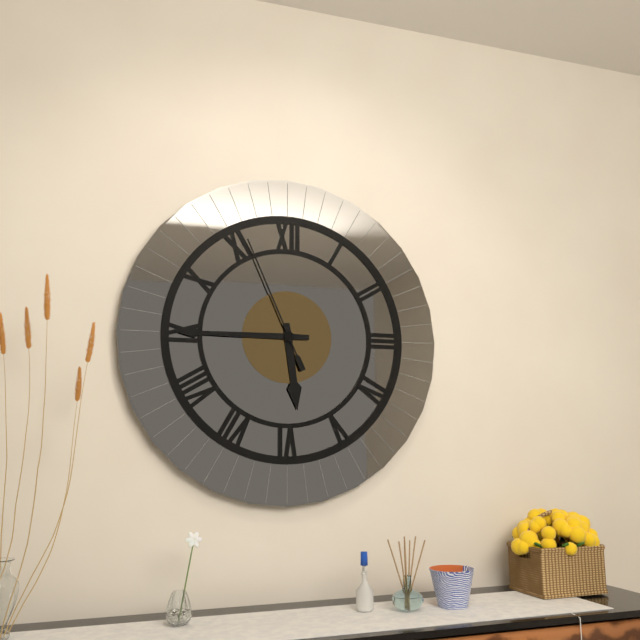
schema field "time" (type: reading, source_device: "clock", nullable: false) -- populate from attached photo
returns 5:45:56
